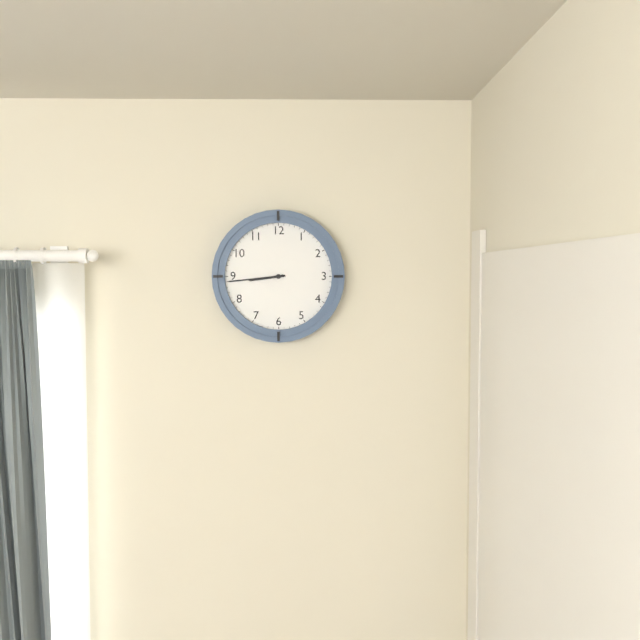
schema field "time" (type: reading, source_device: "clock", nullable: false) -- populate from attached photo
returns 8:44
